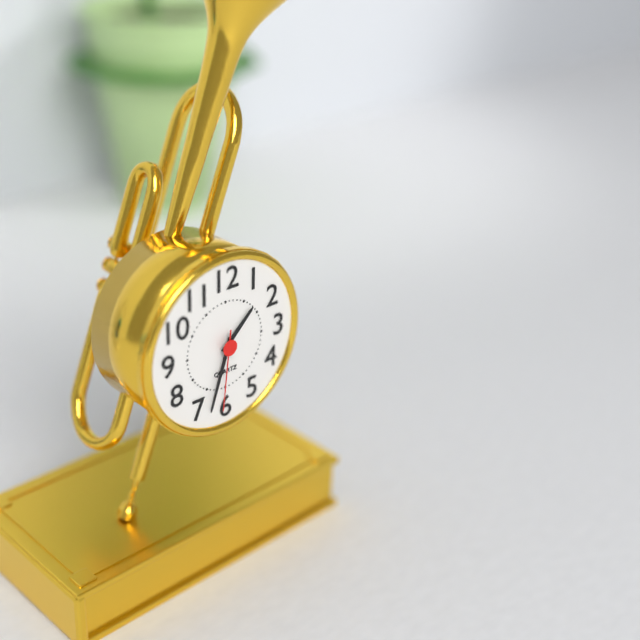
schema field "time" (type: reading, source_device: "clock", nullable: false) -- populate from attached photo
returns 1:33:31
